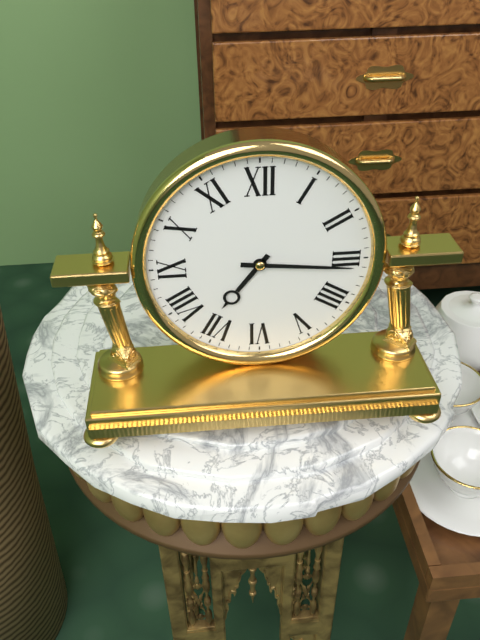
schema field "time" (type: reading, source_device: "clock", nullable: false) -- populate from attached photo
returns 7:16
